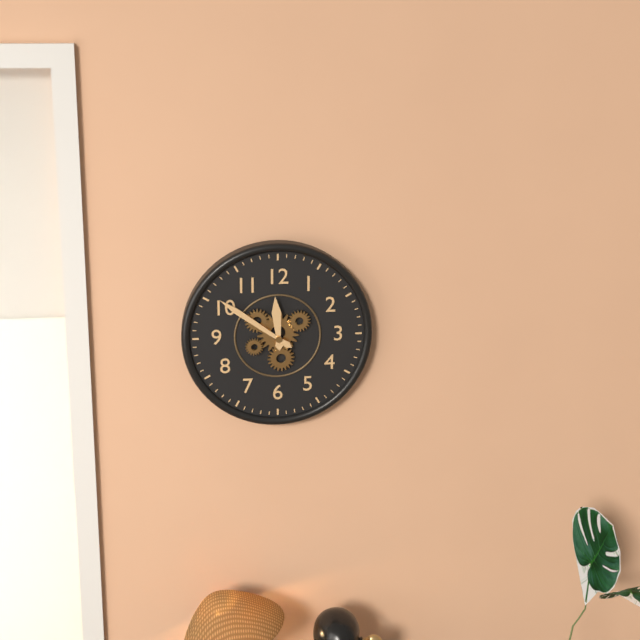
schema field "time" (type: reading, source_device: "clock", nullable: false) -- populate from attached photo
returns 11:51
